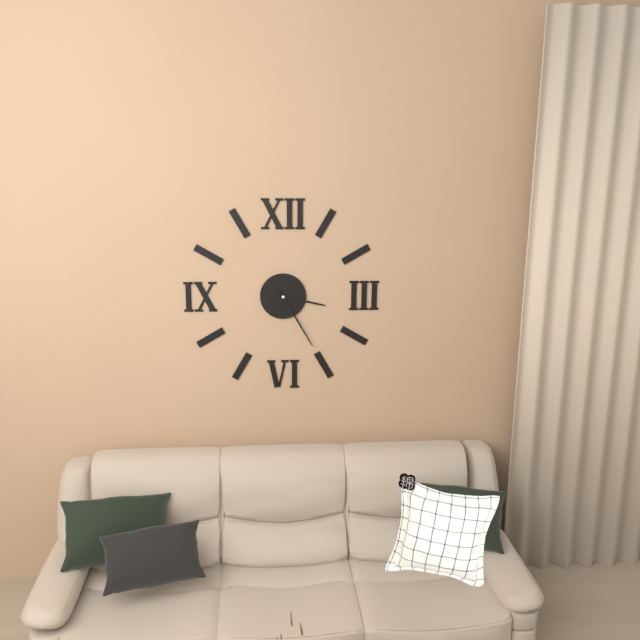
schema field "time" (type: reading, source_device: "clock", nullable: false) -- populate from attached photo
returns 3:25
